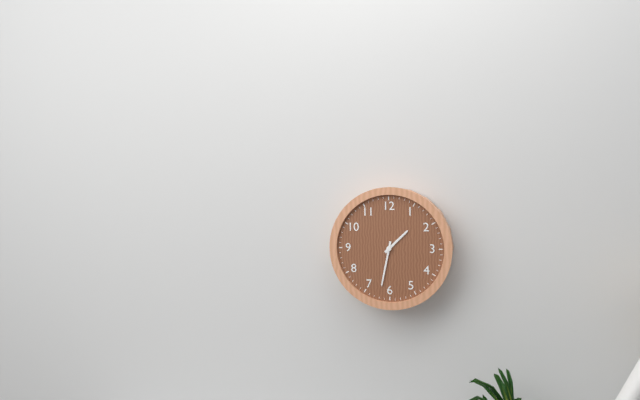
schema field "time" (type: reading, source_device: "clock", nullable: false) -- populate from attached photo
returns 1:32
